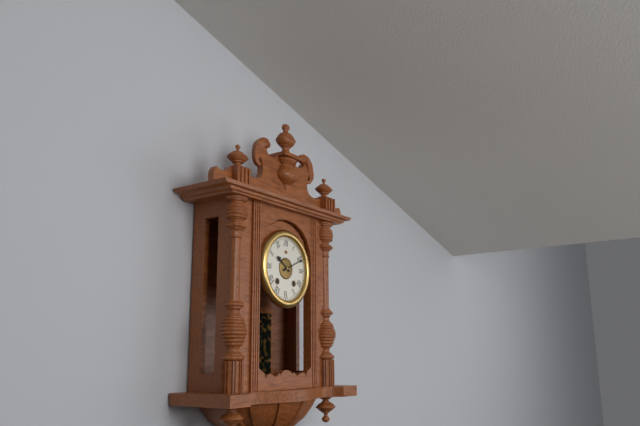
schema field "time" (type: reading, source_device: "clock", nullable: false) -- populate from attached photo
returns 10:11
